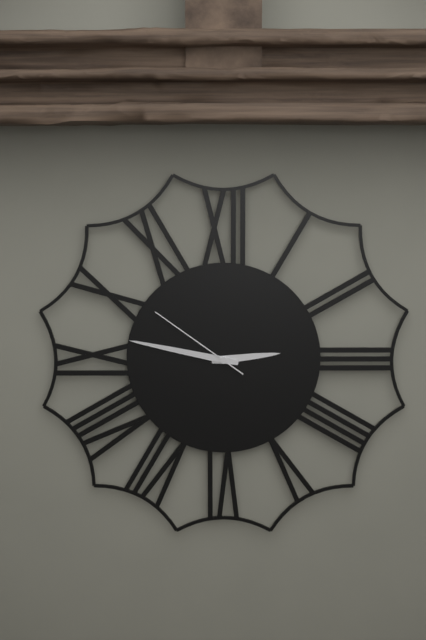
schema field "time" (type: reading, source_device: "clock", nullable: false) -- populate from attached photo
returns 2:47:51
